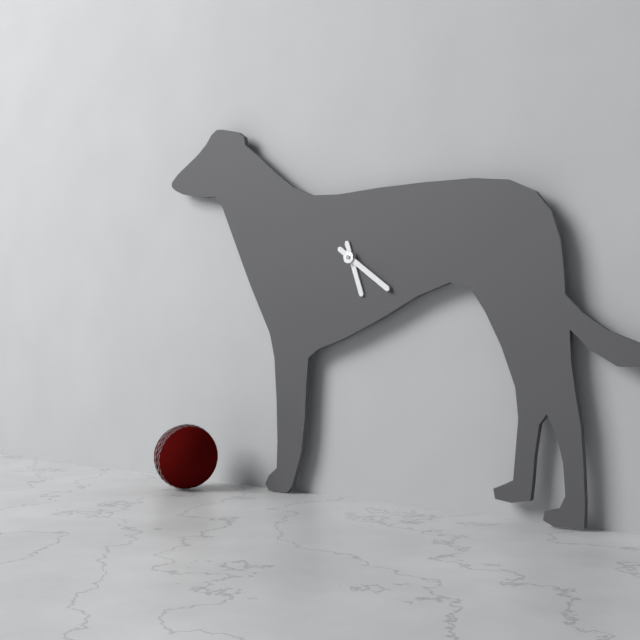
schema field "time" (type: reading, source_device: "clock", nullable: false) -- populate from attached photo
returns 5:21
